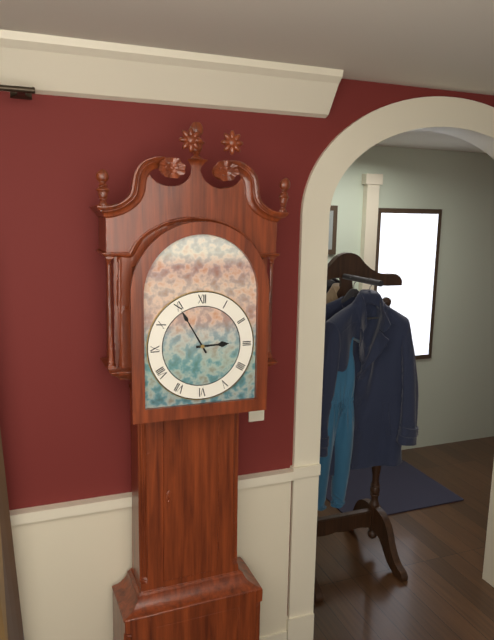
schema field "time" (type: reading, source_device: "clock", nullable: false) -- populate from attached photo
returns 2:55
